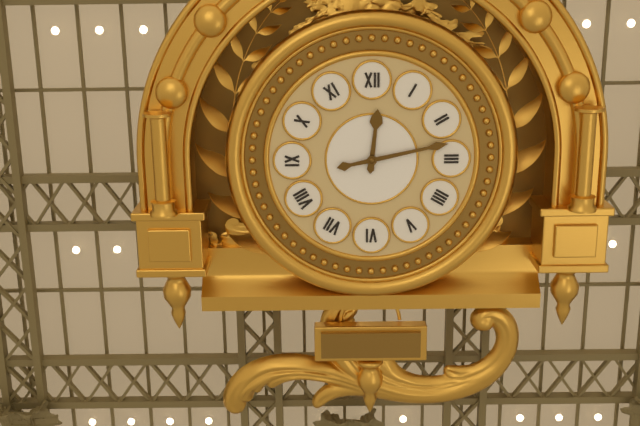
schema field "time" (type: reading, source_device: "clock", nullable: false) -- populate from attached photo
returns 12:13
